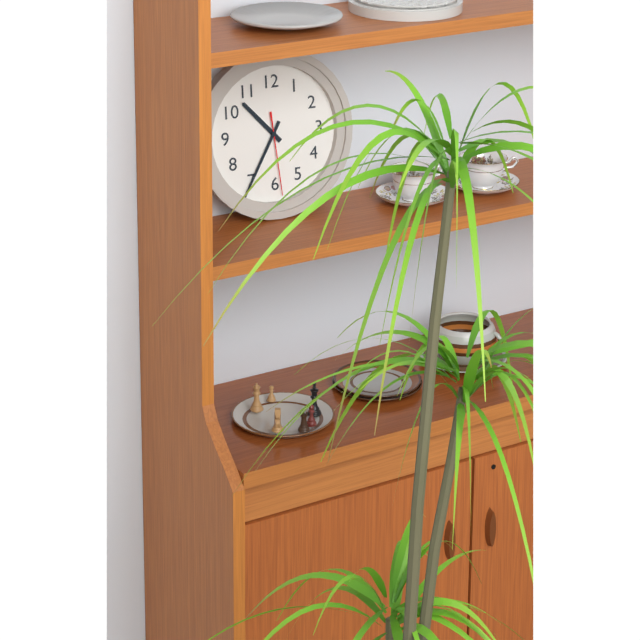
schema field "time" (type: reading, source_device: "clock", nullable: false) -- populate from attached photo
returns 10:35:29
